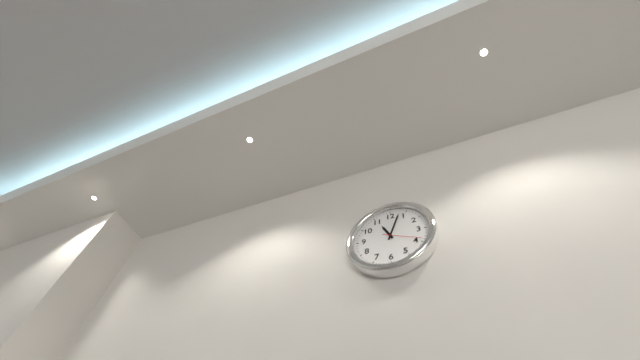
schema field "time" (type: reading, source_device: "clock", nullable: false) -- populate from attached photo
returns 11:03
